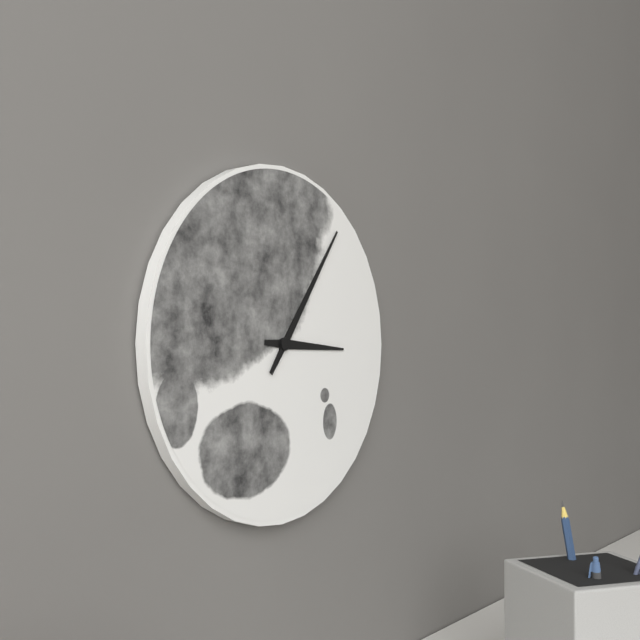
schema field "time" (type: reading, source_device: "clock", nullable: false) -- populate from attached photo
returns 3:06
